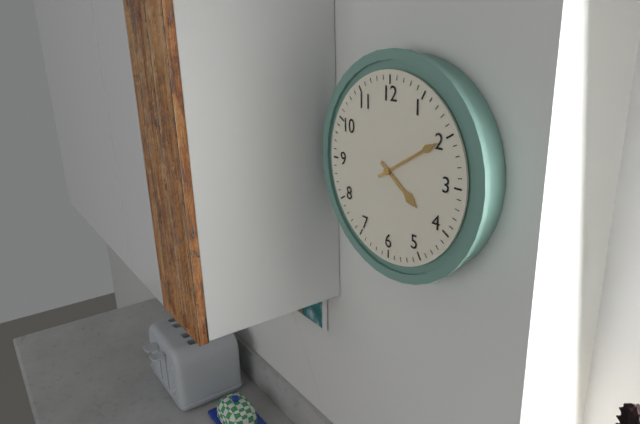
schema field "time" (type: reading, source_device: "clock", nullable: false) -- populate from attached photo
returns 4:10
